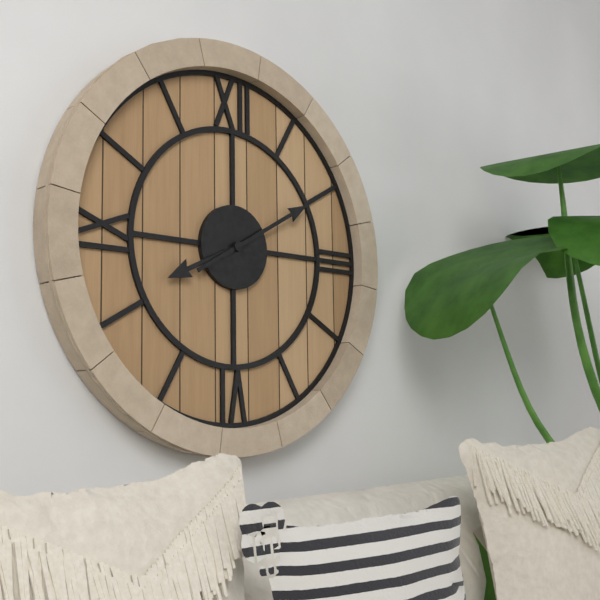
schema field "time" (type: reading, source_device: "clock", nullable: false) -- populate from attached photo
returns 8:10
